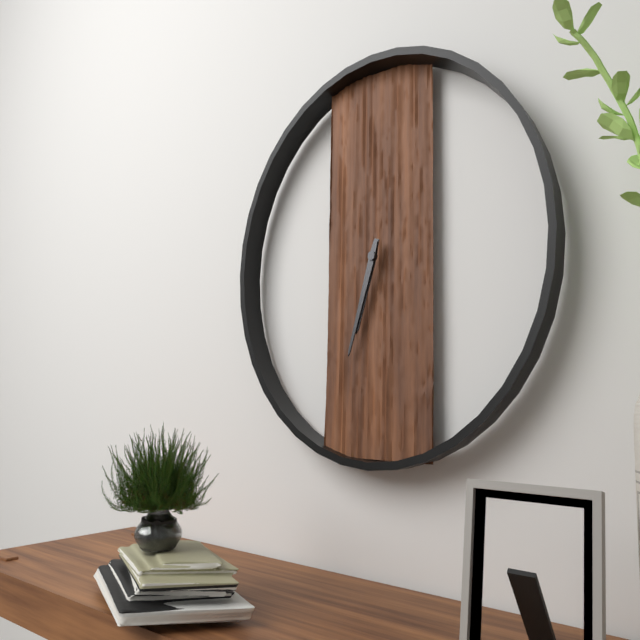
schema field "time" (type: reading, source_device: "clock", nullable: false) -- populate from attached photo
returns 6:33
